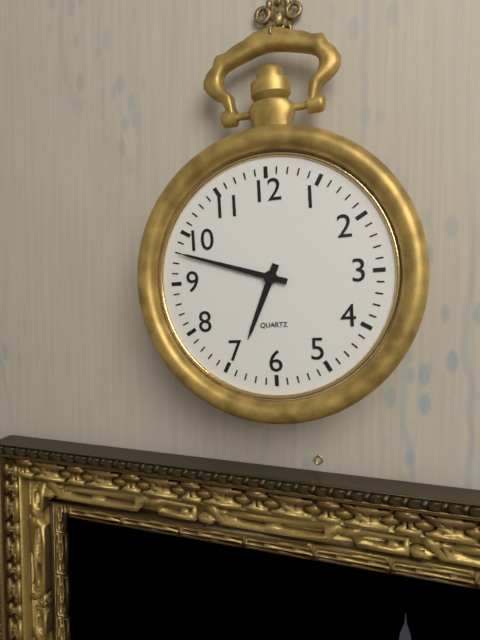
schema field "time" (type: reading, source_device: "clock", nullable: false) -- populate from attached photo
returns 6:48
